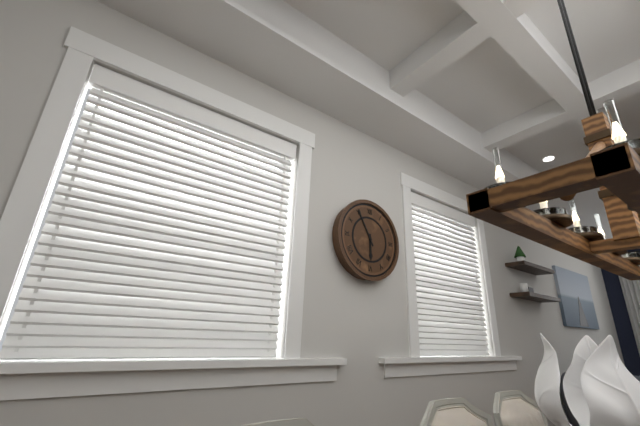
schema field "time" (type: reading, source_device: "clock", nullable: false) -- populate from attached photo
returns 5:55
